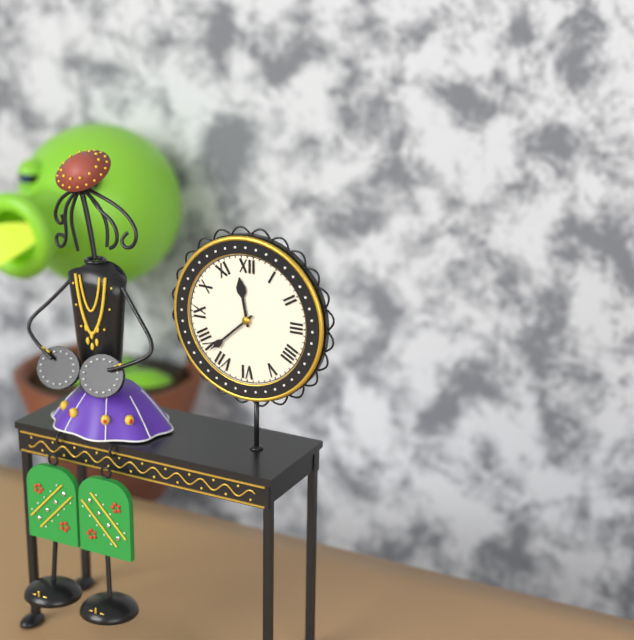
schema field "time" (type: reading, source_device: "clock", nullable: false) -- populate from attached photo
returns 11:38
